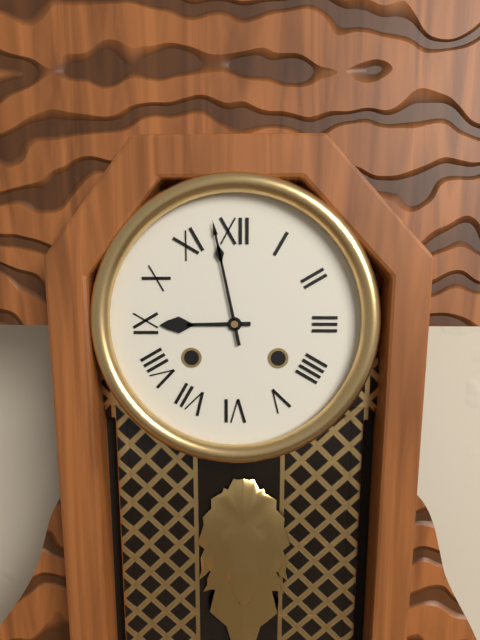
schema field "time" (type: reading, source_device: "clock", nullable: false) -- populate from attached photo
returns 8:58
